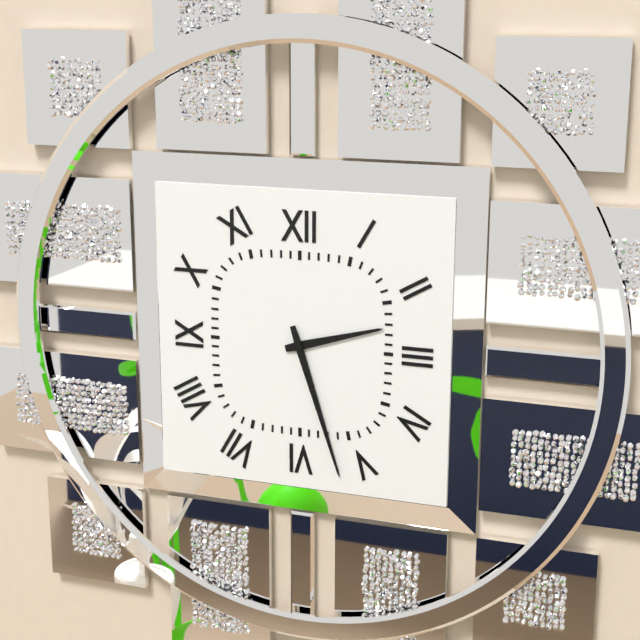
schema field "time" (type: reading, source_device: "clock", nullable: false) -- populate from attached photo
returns 2:27
